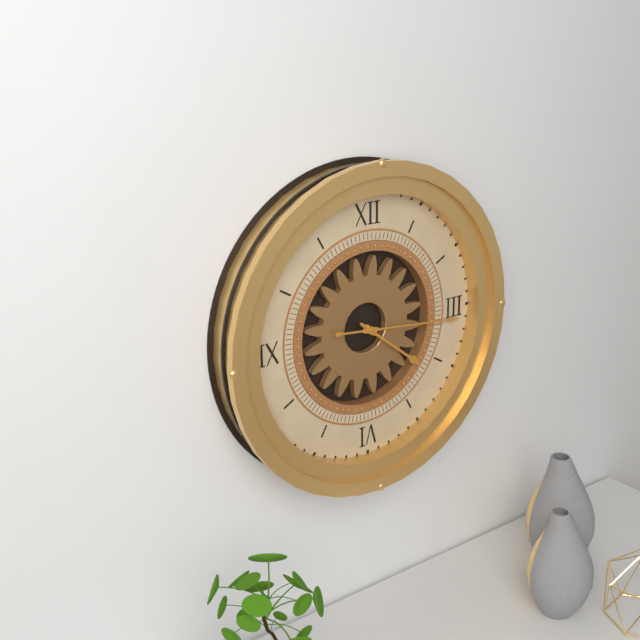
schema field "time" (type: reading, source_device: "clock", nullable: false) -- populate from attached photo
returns 4:16
